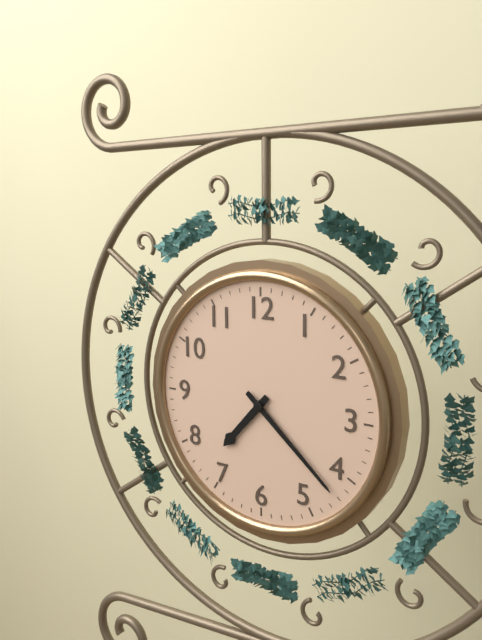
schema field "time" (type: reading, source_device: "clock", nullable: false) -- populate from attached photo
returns 7:22
